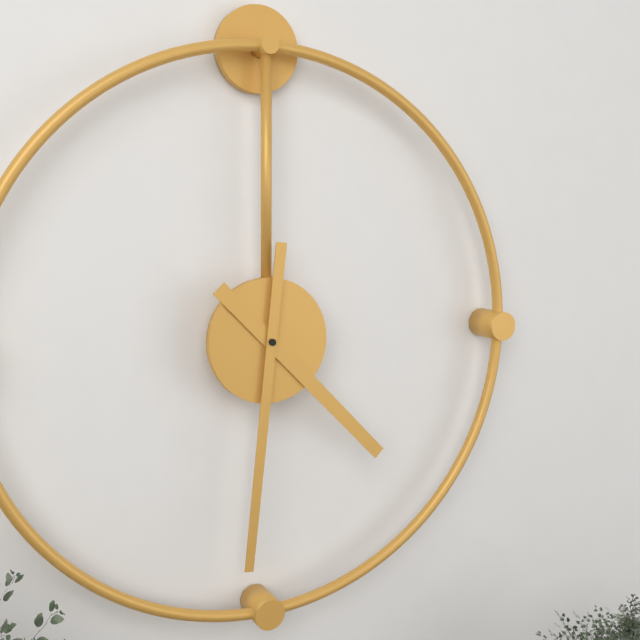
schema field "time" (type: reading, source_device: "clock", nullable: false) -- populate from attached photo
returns 4:31
